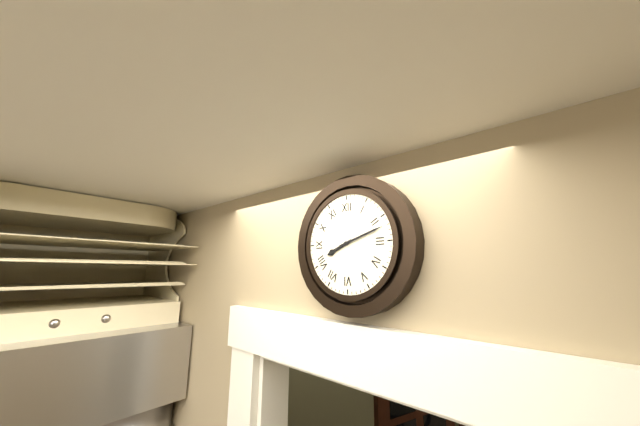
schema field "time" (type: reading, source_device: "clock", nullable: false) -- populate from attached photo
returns 8:12
